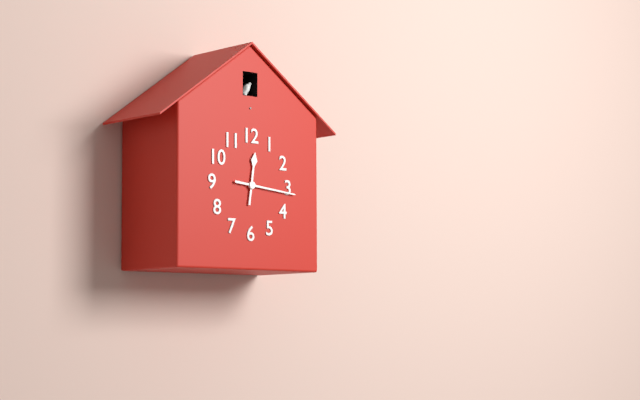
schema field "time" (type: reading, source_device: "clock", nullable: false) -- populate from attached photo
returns 12:16
